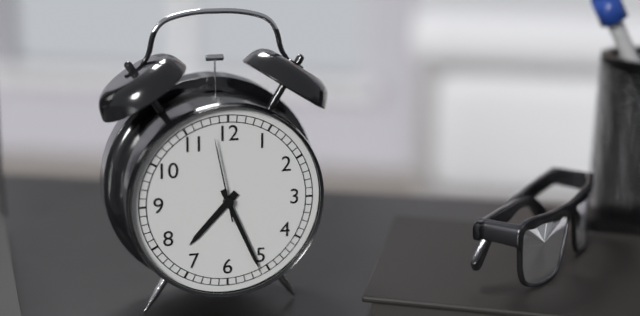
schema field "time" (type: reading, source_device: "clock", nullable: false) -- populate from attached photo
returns 7:26:58
